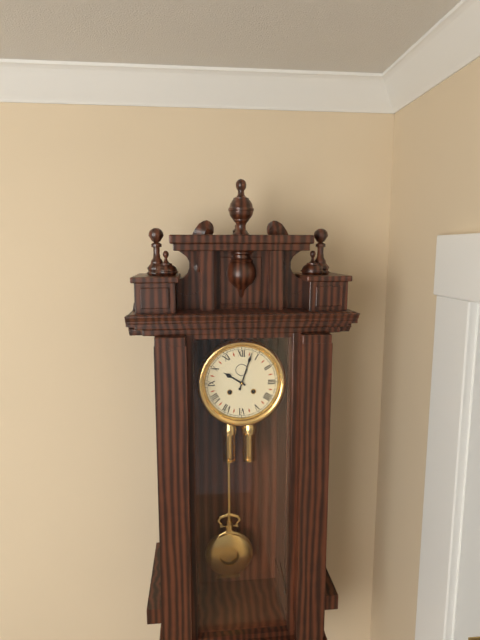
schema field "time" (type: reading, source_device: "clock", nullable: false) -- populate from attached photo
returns 10:03
